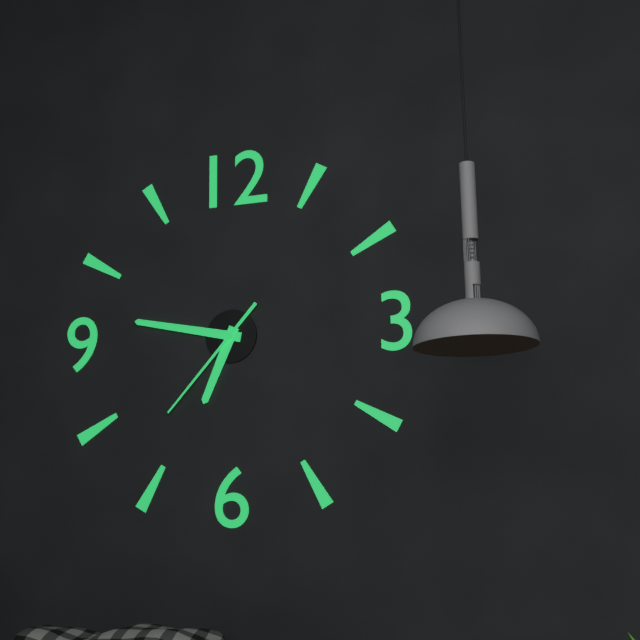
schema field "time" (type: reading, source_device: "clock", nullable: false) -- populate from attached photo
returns 6:47:37
